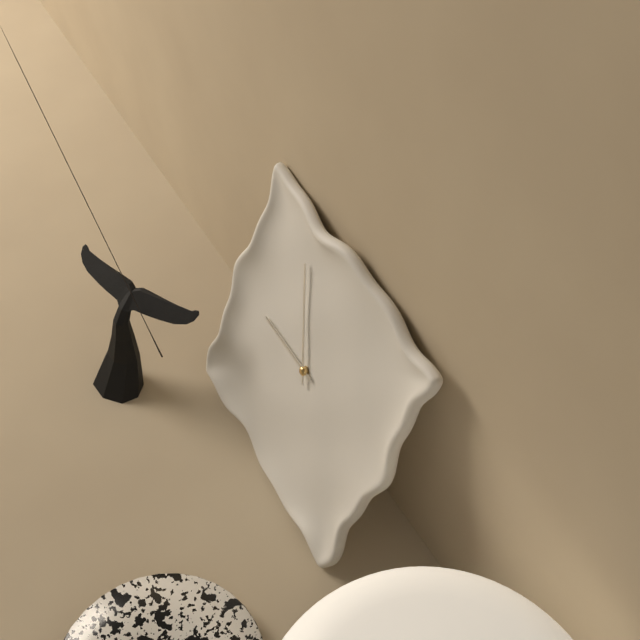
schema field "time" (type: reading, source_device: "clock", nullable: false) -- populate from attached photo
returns 8:55
